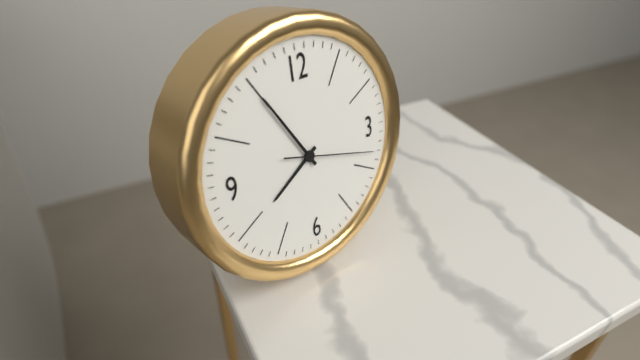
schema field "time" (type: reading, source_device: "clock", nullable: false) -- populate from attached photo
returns 7:55:18
